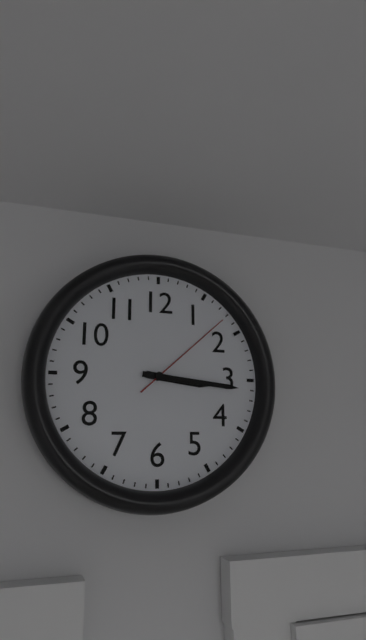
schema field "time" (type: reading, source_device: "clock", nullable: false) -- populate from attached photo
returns 3:16:08
